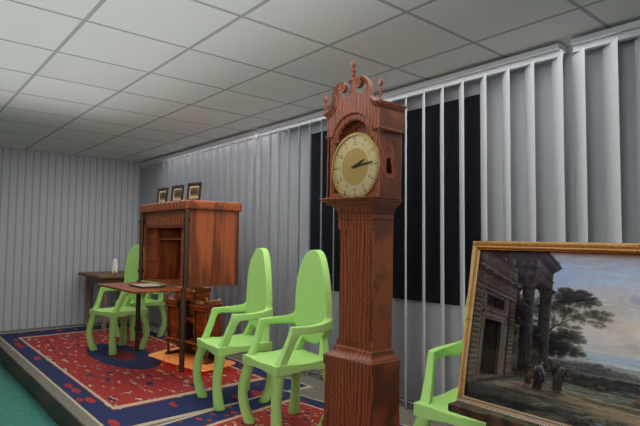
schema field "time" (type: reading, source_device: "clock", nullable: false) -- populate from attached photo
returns 2:14
